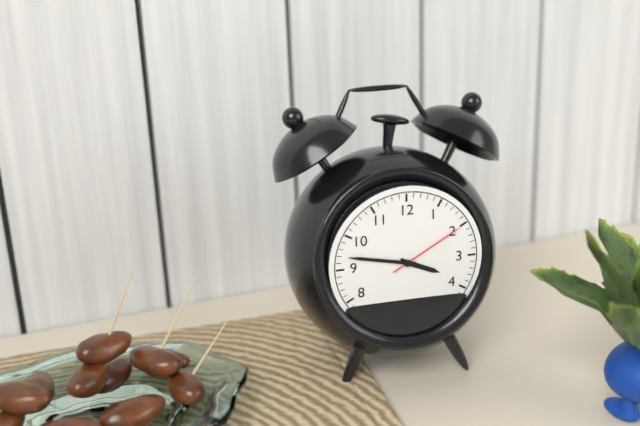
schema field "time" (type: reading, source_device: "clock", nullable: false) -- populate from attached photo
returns 3:47:10
